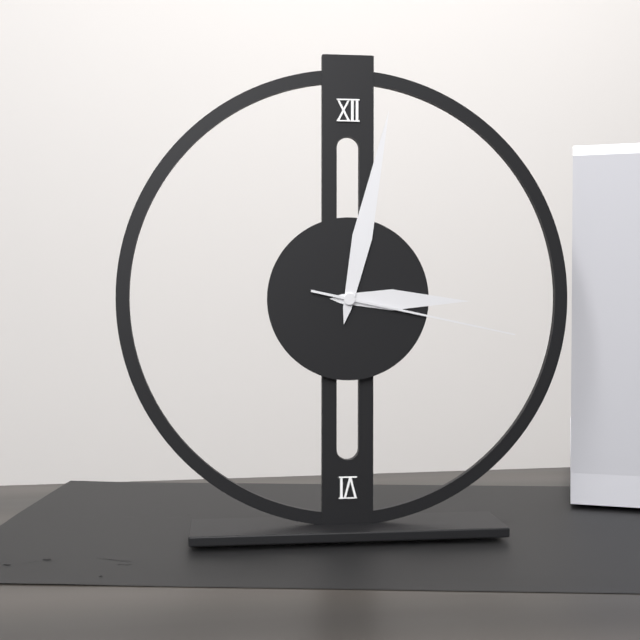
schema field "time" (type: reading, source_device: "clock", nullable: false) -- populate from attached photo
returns 3:02:17
